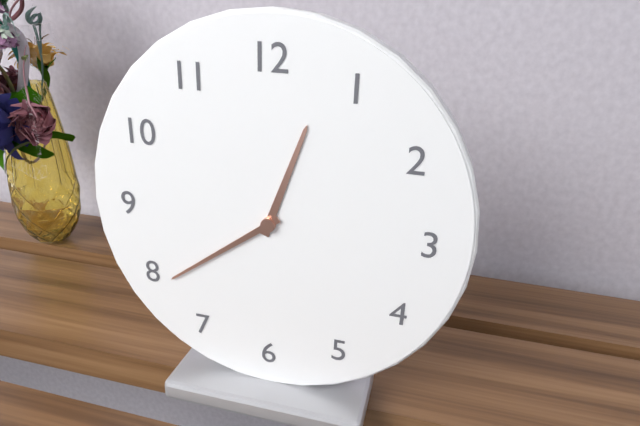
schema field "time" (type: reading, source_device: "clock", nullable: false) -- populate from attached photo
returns 12:39
